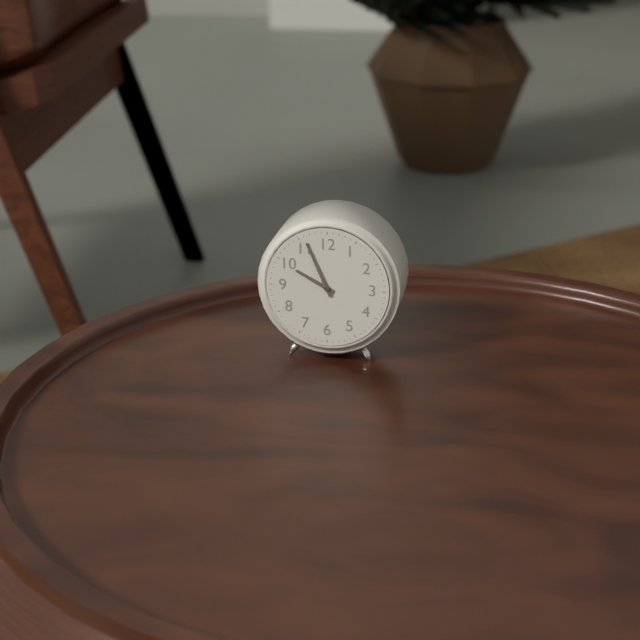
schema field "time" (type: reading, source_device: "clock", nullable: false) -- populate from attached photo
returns 9:56
